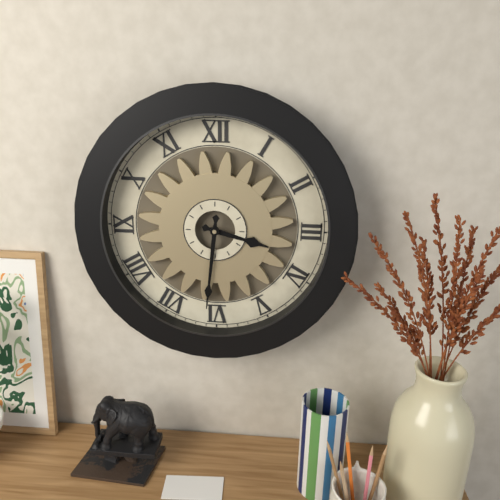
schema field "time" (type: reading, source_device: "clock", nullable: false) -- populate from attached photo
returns 3:31
